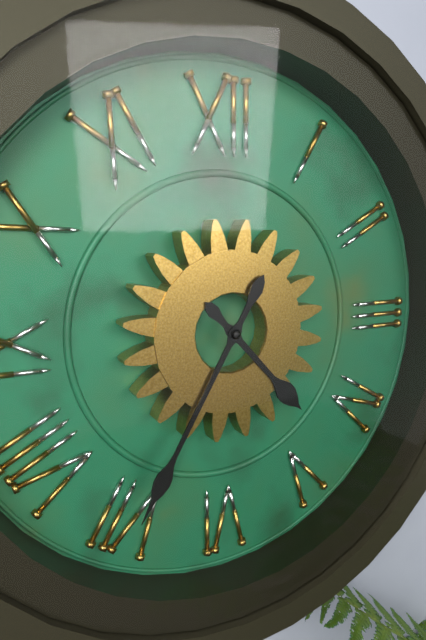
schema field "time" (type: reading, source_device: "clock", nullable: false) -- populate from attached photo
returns 4:35
